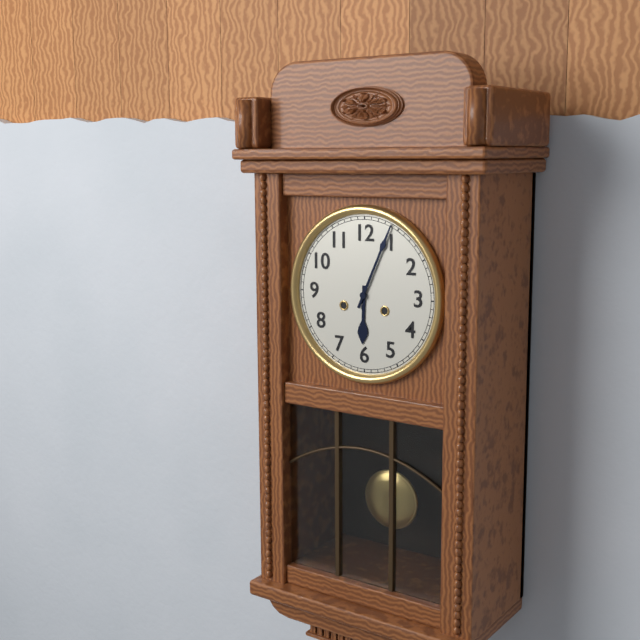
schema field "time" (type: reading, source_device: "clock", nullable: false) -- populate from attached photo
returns 6:04
